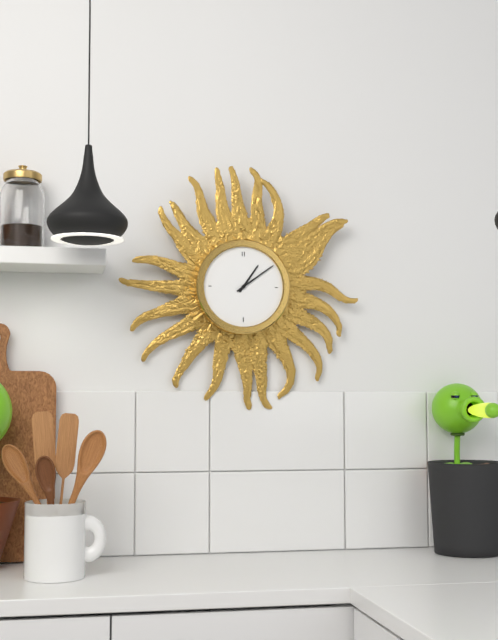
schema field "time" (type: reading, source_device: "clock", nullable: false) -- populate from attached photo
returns 1:09
